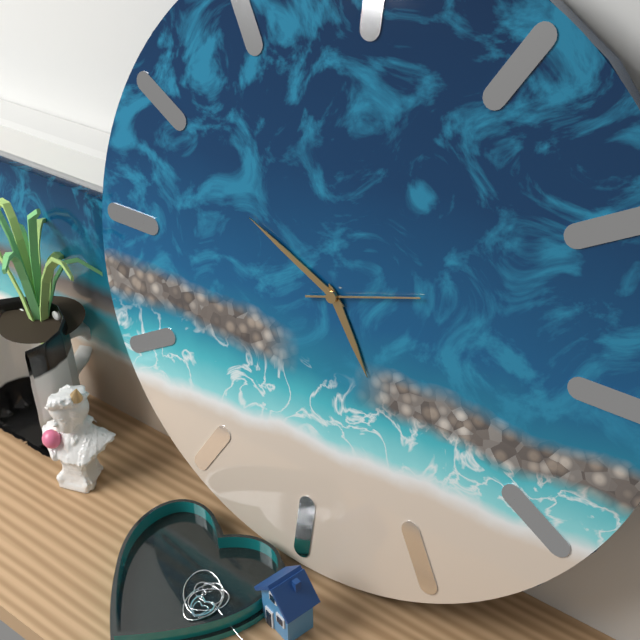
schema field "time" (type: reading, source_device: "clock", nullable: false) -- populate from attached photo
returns 4:49:12
